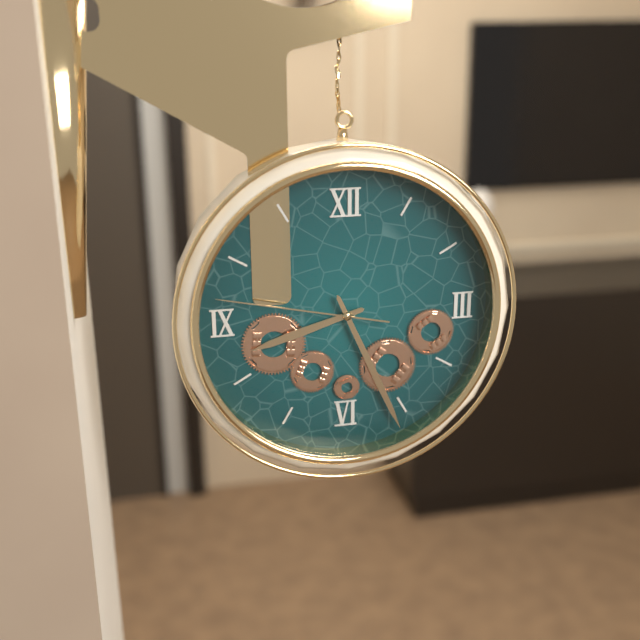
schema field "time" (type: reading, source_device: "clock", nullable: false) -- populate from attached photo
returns 8:26:47
